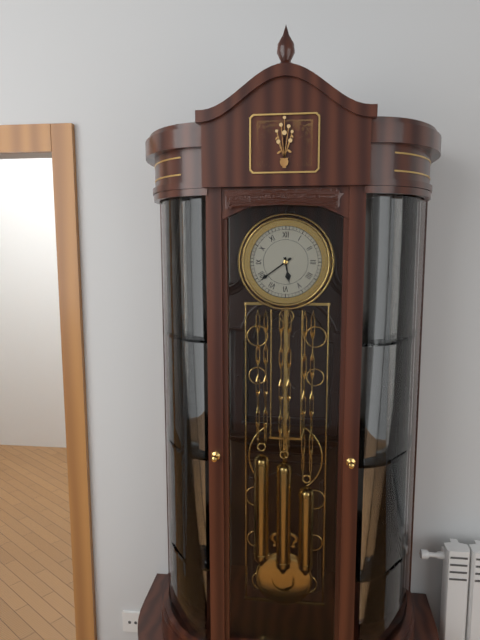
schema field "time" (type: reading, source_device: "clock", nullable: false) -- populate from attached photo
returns 5:39
